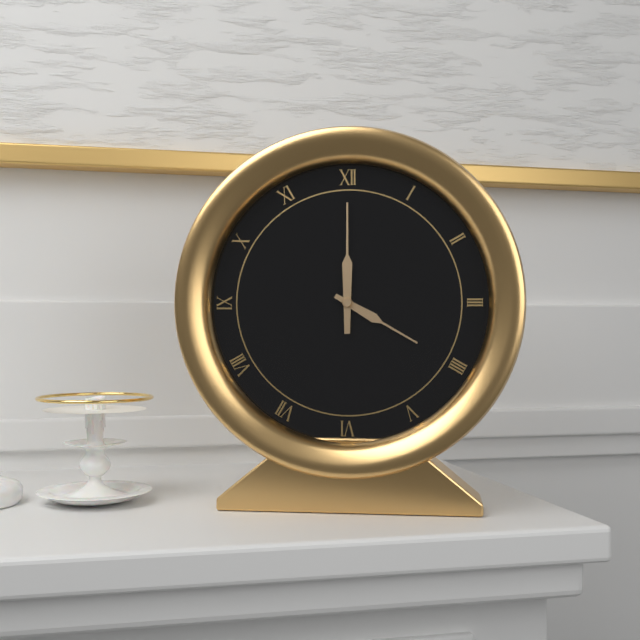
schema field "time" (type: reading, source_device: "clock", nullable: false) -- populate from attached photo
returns 4:00
